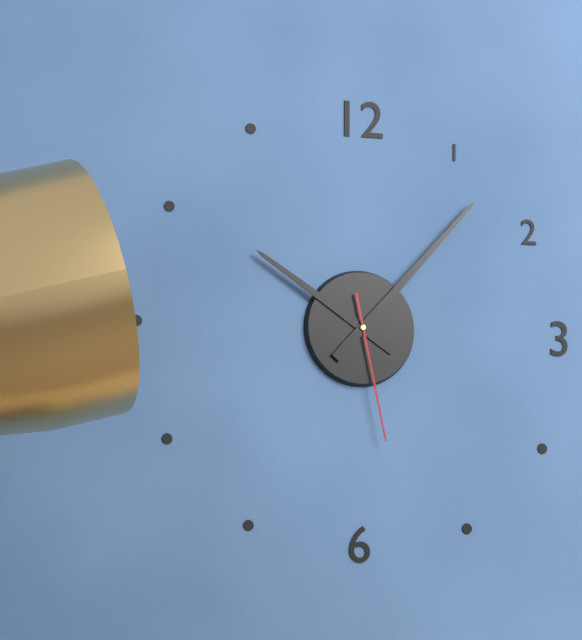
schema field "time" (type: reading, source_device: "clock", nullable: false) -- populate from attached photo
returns 10:07:28
